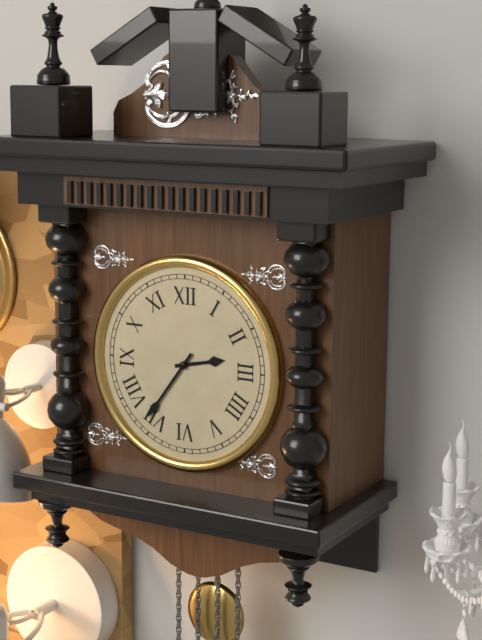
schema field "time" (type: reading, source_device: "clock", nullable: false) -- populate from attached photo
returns 2:36
